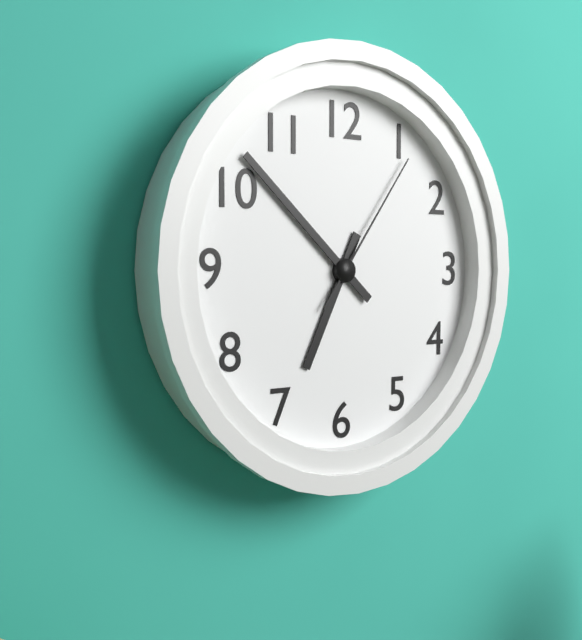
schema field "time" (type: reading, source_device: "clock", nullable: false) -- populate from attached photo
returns 6:52:06
